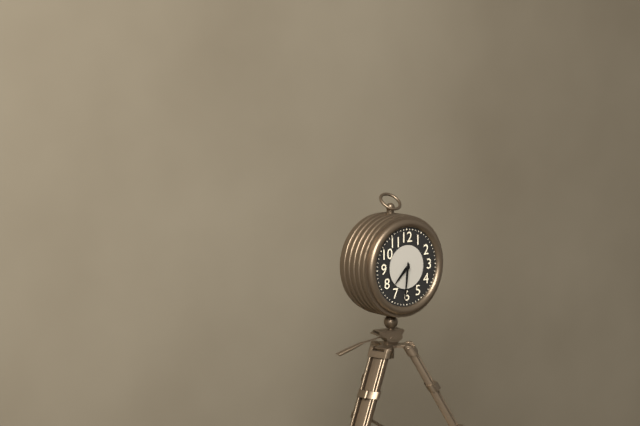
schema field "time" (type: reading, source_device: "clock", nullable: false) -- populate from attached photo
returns 7:31
